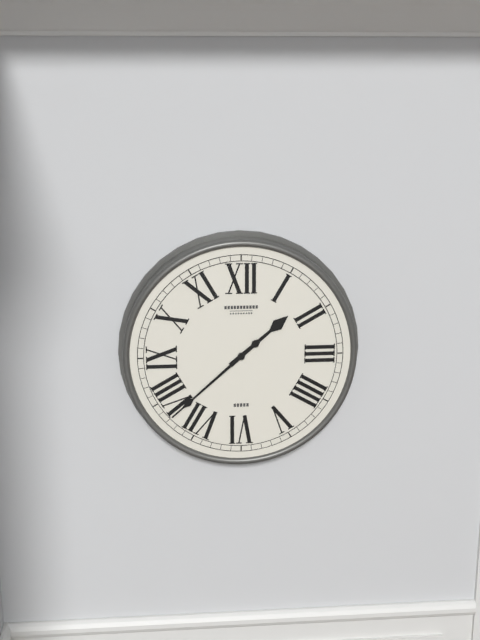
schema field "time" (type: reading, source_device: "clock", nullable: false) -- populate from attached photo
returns 1:38
